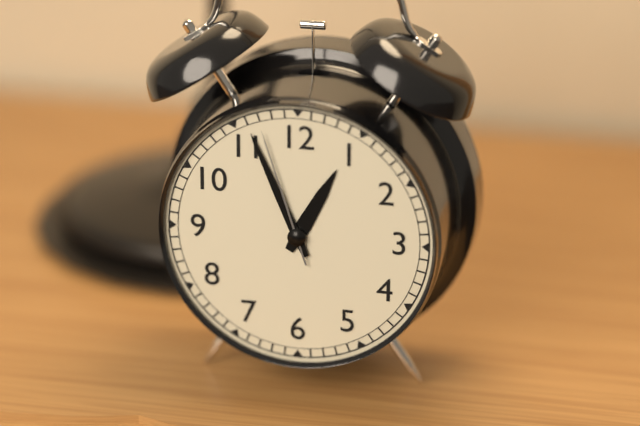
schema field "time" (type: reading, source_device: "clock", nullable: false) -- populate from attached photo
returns 12:56:57
